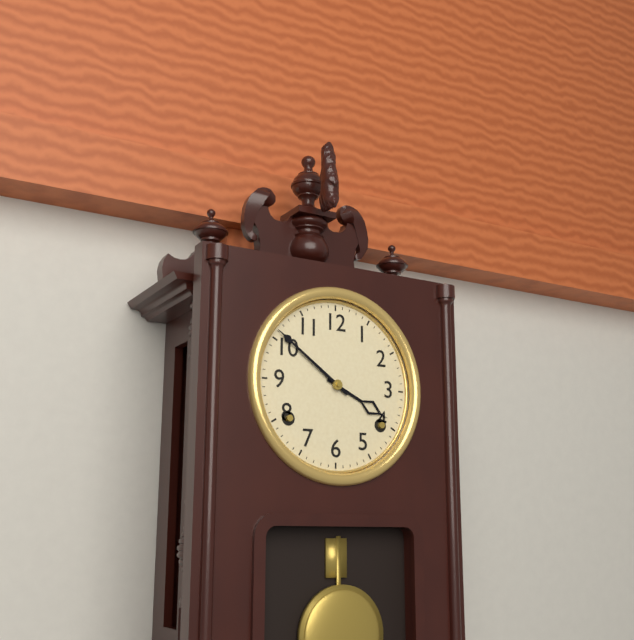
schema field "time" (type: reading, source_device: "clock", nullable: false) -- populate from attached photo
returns 3:51
